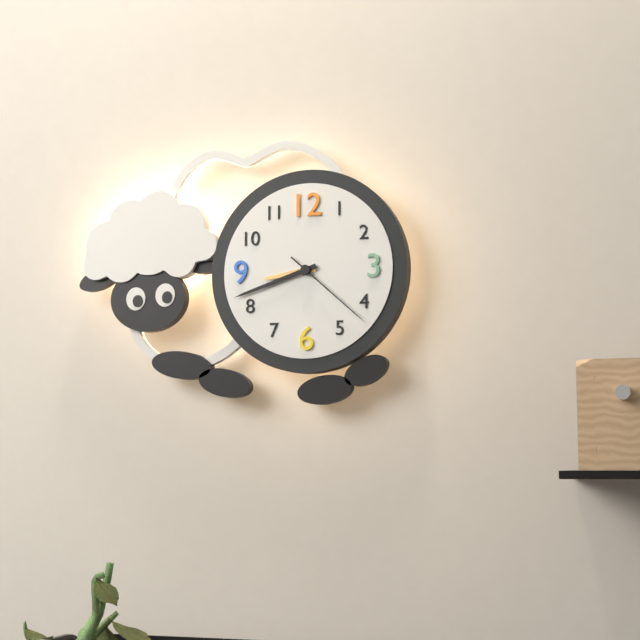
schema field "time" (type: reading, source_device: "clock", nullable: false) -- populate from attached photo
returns 8:42:22
